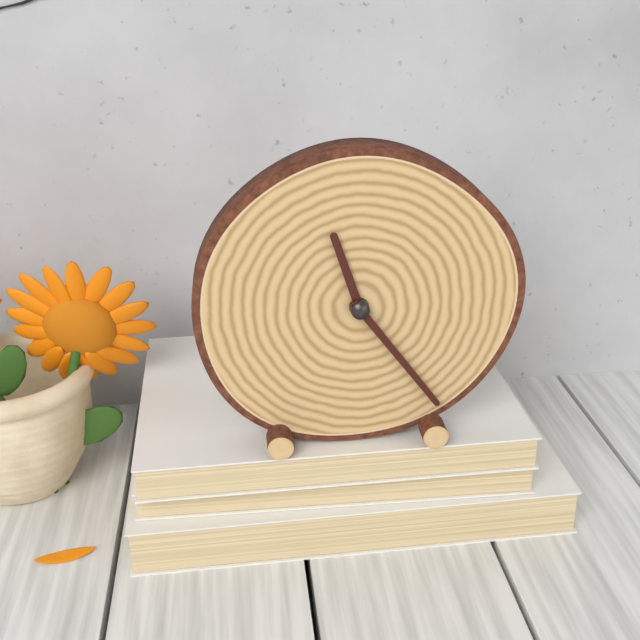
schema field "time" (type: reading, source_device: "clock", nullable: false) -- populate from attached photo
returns 11:24
